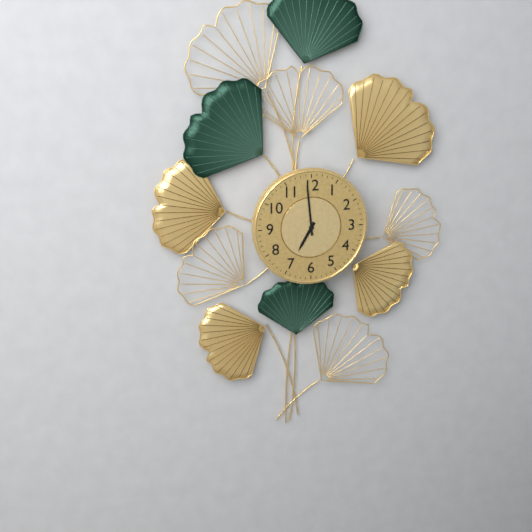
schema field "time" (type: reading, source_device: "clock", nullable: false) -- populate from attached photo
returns 6:59
